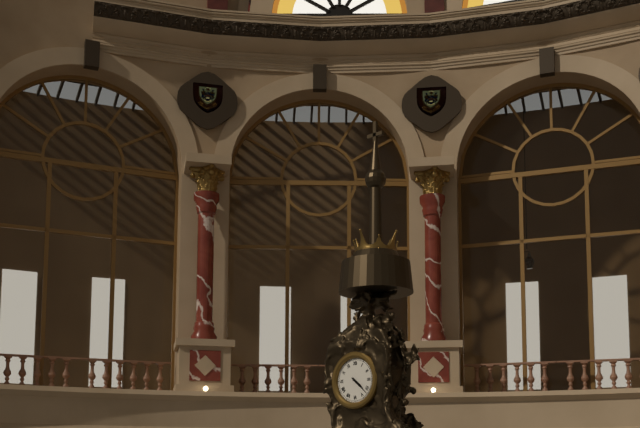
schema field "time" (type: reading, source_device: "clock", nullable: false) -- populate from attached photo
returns 4:22
